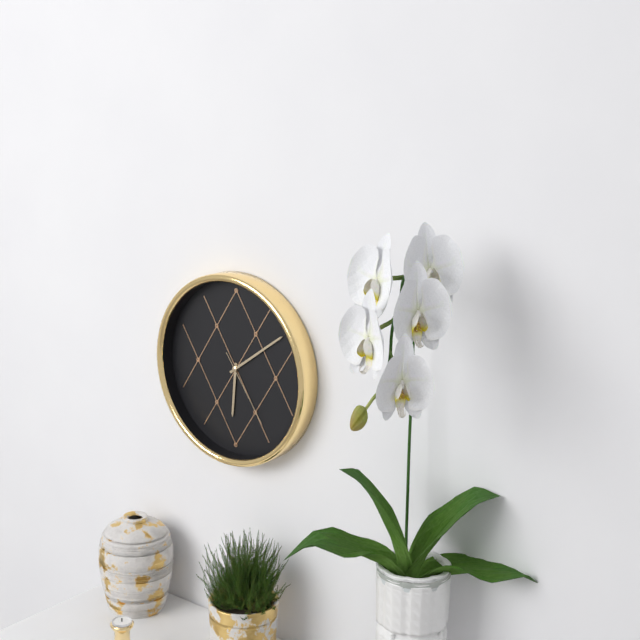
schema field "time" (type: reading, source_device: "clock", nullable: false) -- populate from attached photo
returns 6:09:24
